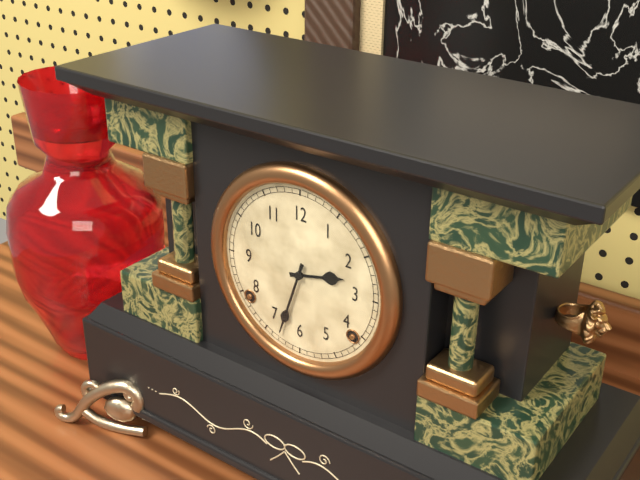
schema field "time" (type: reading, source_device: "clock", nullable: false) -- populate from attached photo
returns 2:33
